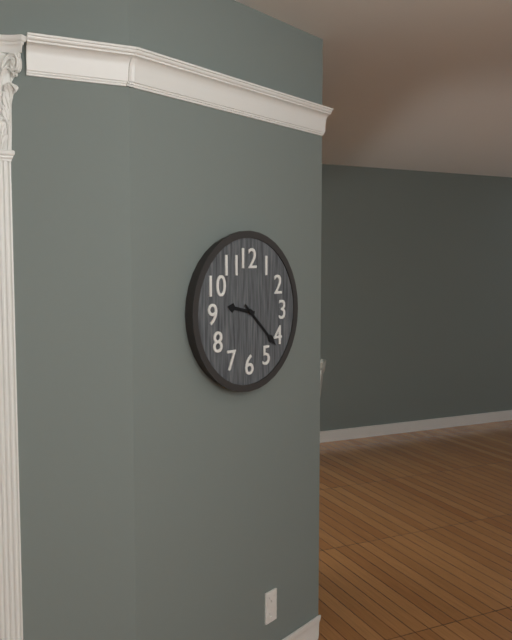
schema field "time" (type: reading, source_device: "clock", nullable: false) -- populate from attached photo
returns 9:22
